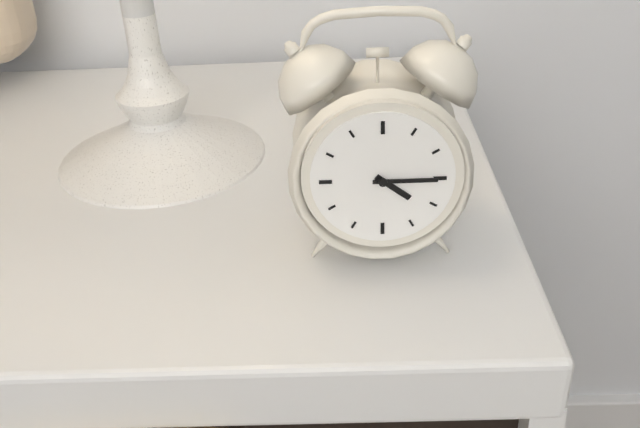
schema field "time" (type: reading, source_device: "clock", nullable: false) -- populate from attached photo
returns 4:15
